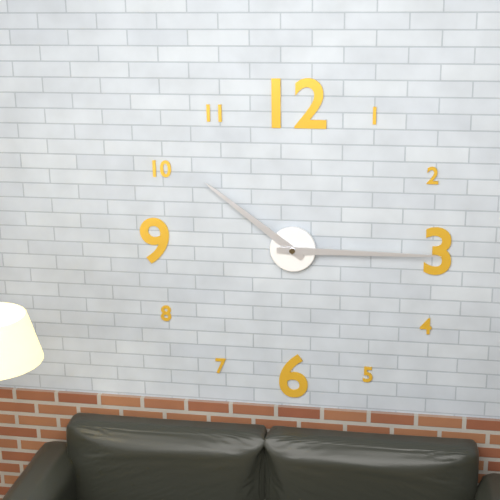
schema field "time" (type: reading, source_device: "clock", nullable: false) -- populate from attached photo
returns 10:15
